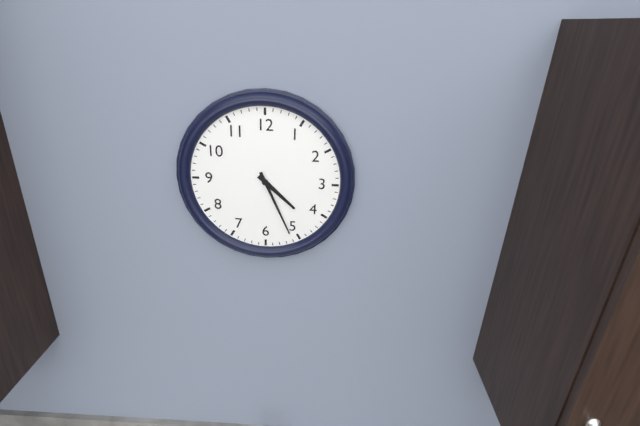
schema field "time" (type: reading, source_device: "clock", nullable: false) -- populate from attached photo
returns 4:26
